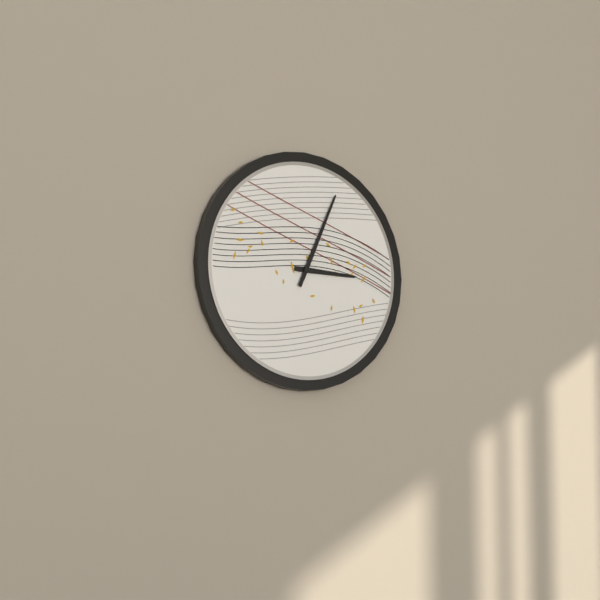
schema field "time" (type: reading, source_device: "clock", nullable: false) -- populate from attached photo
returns 3:04
